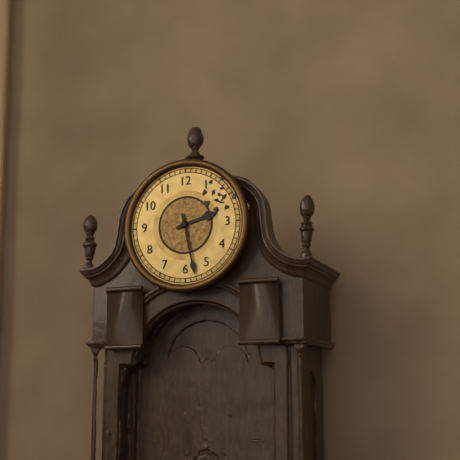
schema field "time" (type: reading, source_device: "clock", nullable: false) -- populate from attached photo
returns 2:28
